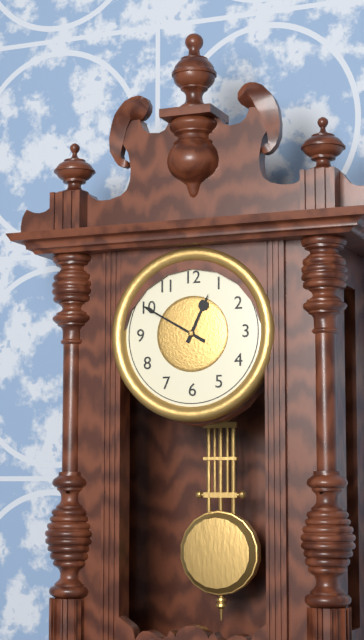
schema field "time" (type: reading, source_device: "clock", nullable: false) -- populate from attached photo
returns 12:50
